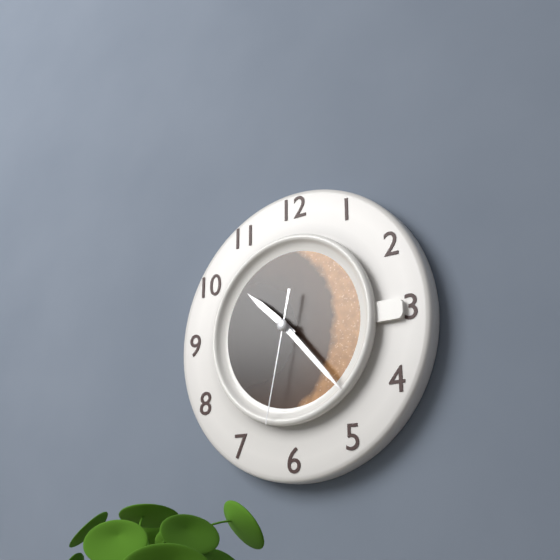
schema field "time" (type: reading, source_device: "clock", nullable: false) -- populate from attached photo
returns 10:23:32
